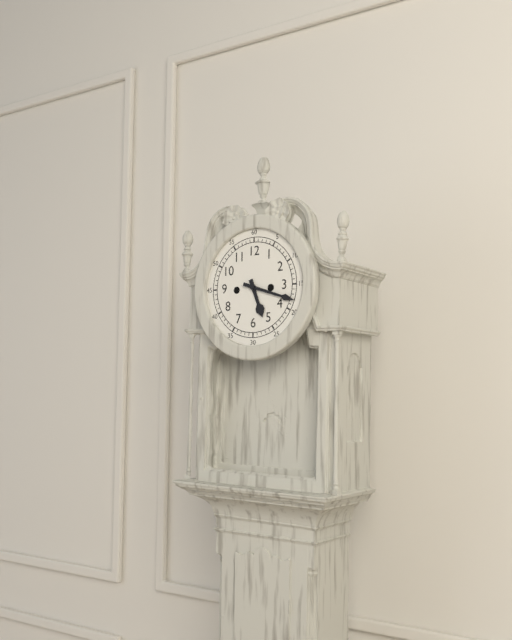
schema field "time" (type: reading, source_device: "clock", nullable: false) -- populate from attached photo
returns 5:18
